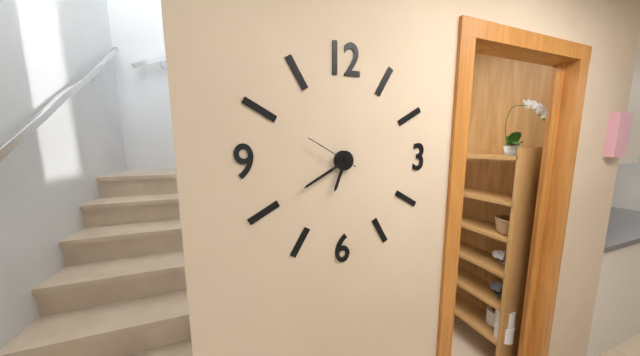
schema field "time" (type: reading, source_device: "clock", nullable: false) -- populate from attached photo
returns 6:40:50
